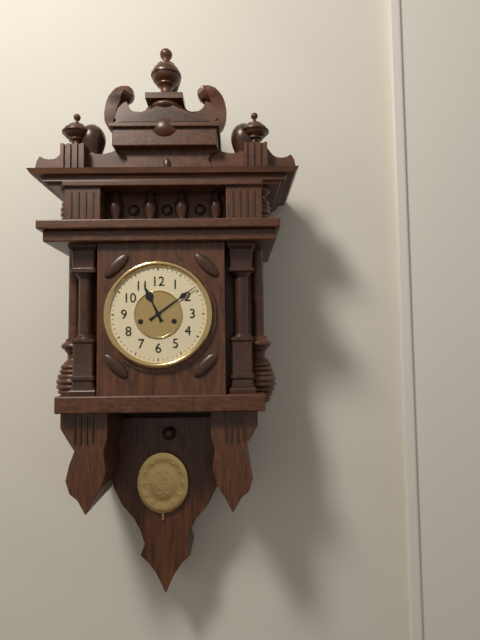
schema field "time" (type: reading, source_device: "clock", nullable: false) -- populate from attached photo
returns 11:09
